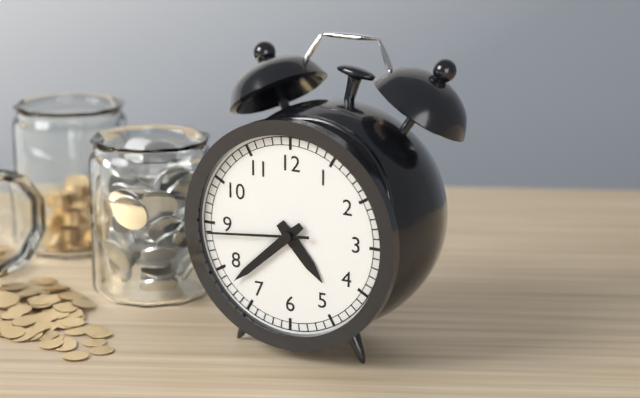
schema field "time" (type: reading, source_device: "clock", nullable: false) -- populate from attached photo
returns 4:38:44
